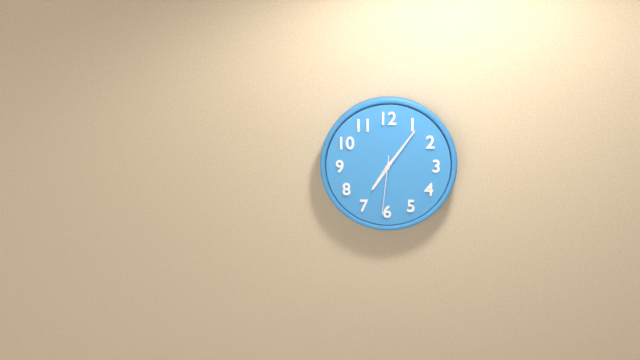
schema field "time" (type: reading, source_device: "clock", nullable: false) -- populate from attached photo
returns 7:06:31
